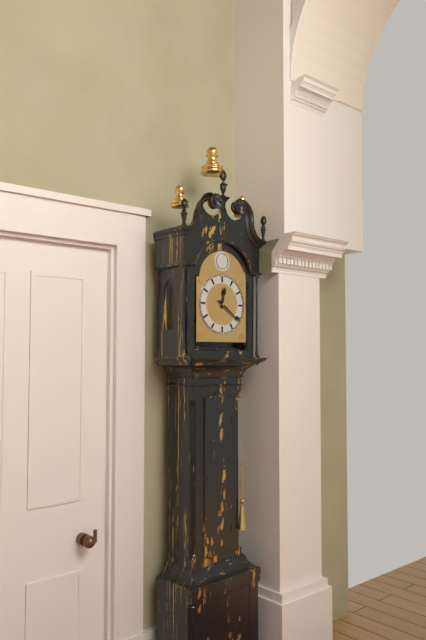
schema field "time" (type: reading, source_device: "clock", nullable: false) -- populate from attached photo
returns 12:21
